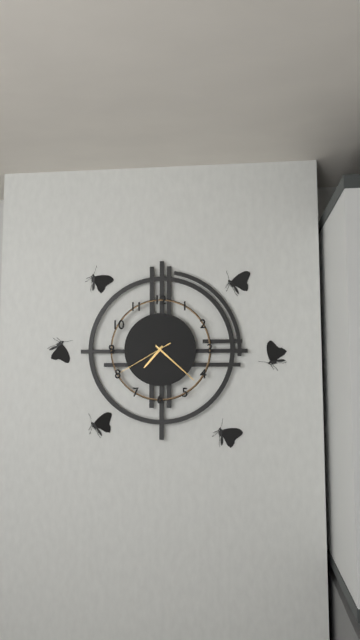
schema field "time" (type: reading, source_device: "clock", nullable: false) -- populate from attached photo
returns 7:22:40
